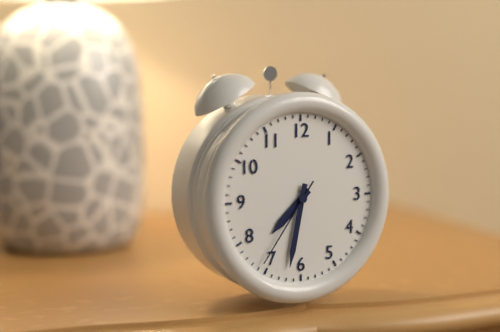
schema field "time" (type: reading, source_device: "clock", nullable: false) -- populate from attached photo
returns 7:32:36
